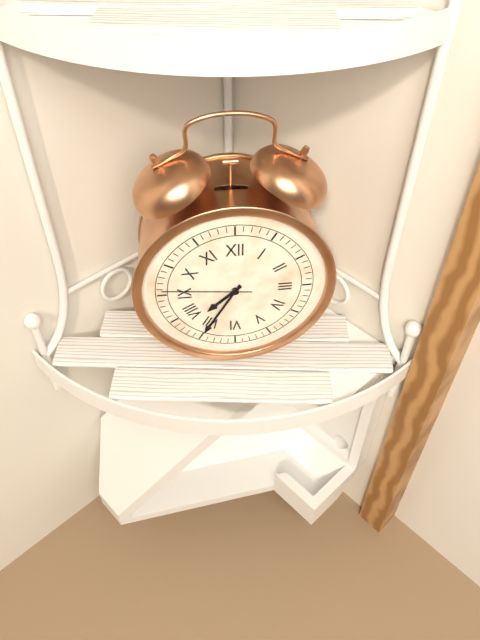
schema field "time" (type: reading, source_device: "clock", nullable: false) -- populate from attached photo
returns 7:35:46
